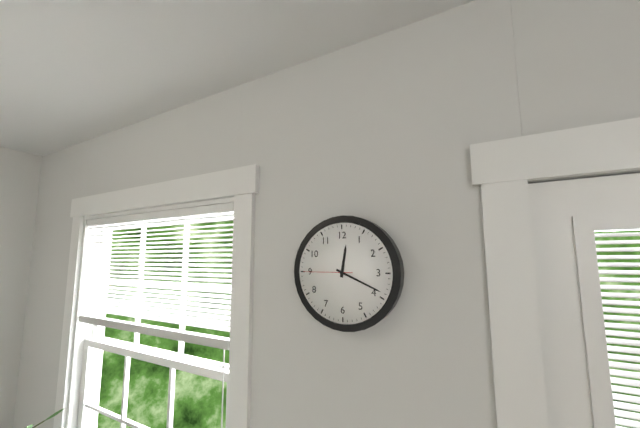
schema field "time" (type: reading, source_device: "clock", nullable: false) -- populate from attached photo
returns 12:19
